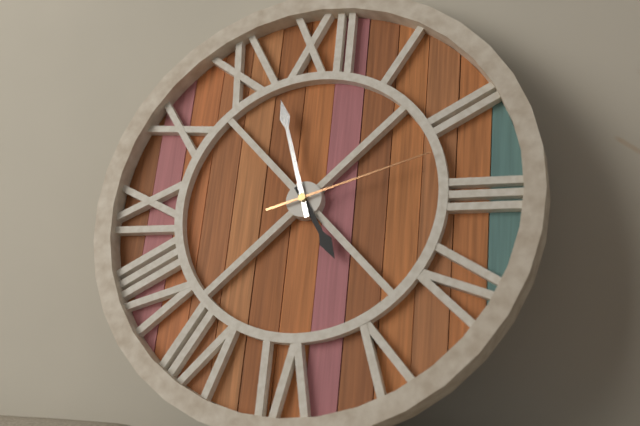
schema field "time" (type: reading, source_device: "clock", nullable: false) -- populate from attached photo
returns 4:57:12
